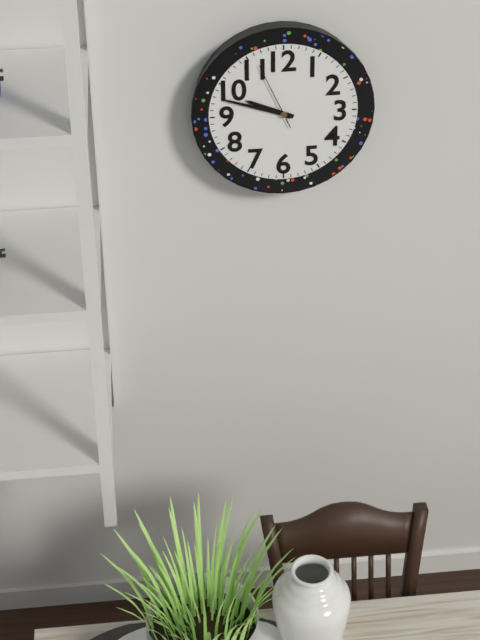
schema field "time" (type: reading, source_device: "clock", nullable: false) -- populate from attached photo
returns 9:48:56
